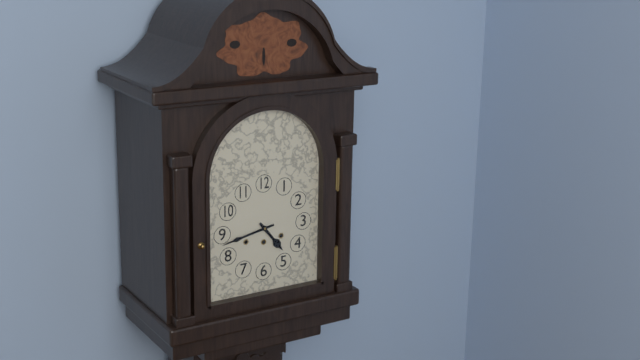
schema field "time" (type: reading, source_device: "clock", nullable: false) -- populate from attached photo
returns 4:43
